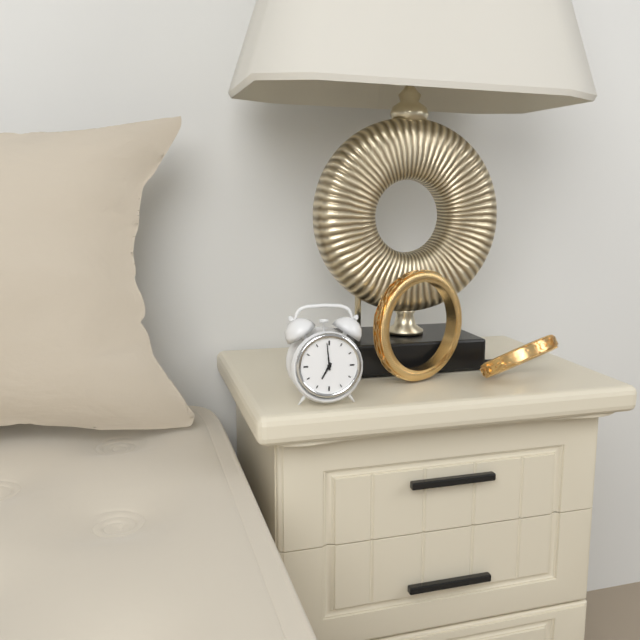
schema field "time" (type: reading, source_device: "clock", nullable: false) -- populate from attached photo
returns 6:59
